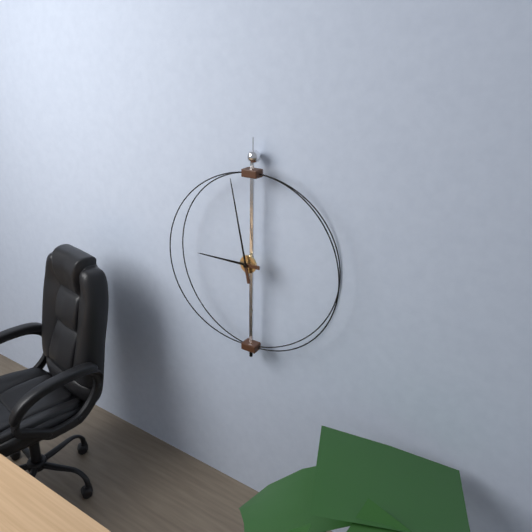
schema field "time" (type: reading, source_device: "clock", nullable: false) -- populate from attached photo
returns 8:58
